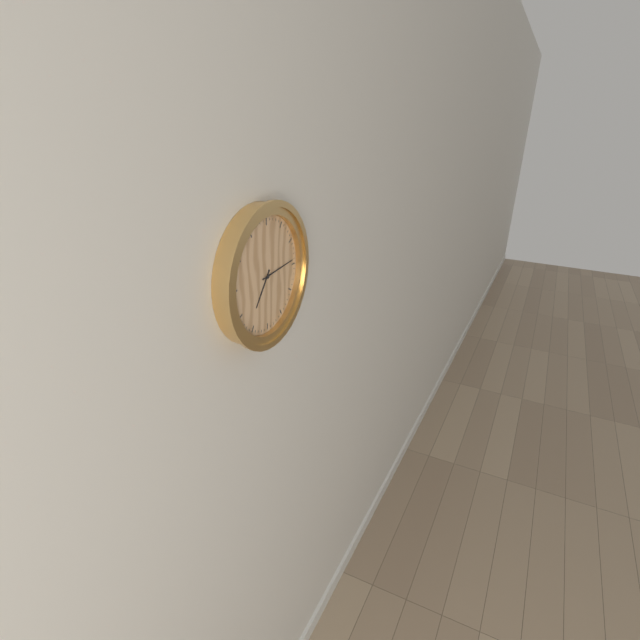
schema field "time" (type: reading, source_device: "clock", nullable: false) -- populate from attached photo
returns 7:14
